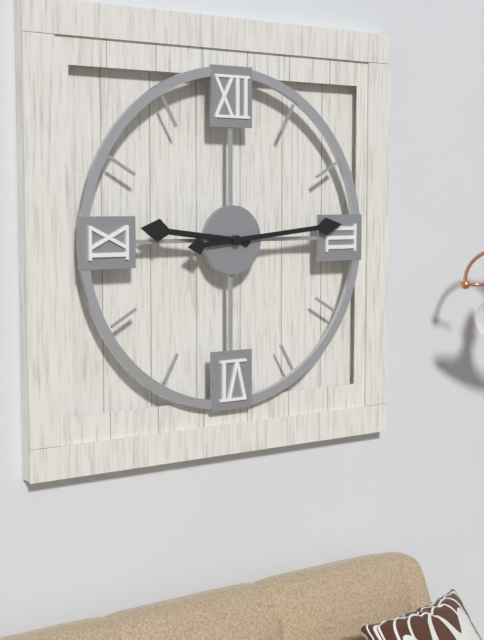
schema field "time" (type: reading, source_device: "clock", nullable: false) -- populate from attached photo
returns 9:14
